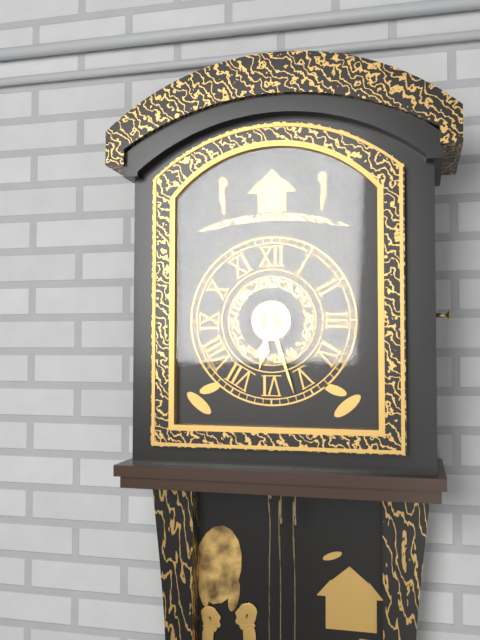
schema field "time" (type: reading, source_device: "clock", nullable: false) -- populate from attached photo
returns 6:27
